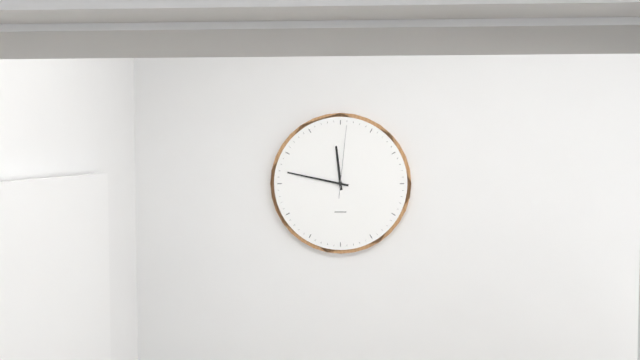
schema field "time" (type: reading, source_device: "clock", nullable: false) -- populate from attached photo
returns 11:47:01
